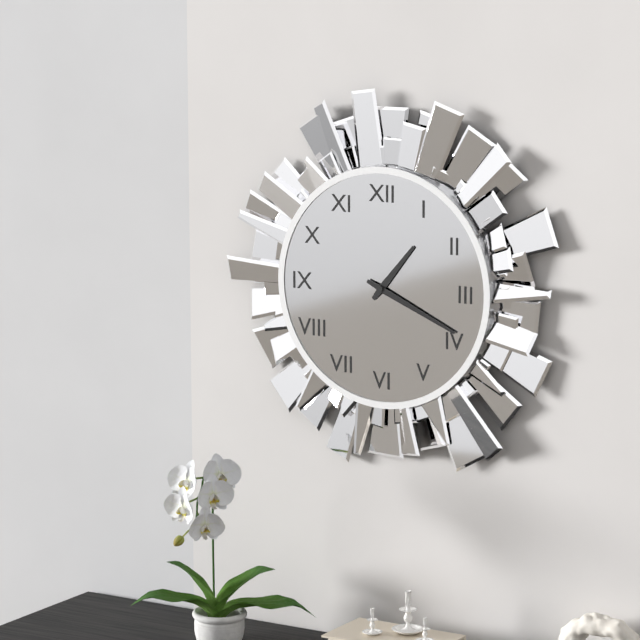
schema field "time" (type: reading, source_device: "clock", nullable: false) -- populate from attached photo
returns 1:19
